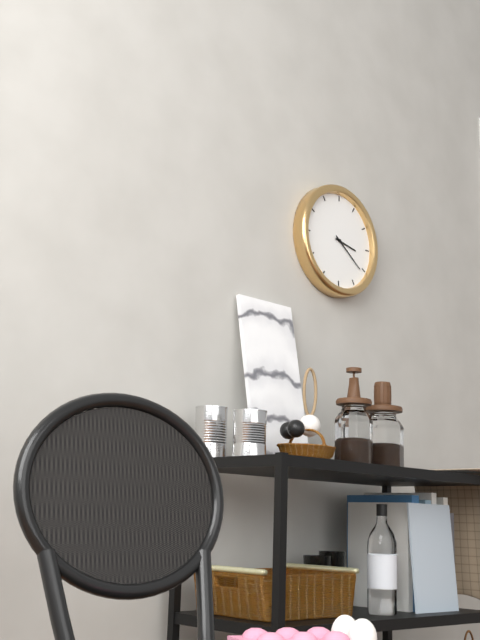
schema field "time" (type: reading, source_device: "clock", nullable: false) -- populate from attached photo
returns 3:21
